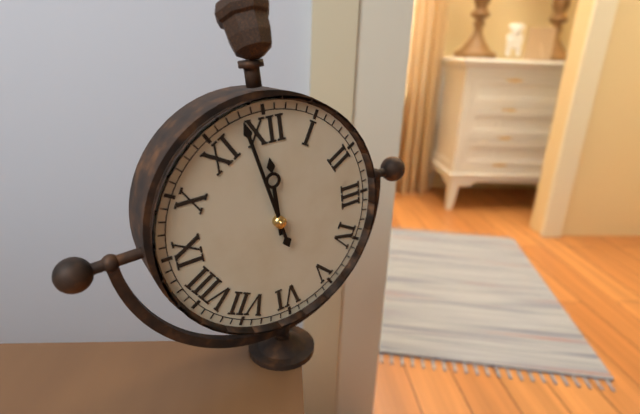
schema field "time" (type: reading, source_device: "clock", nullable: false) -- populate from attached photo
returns 11:58
